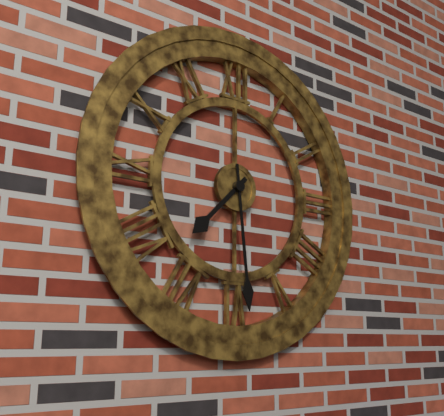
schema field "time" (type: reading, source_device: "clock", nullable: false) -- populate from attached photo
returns 7:29
